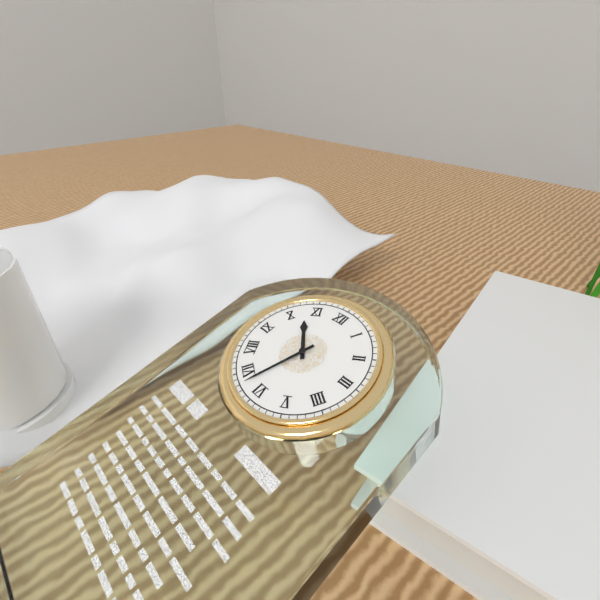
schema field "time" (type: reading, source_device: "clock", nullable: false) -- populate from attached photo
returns 10:33
